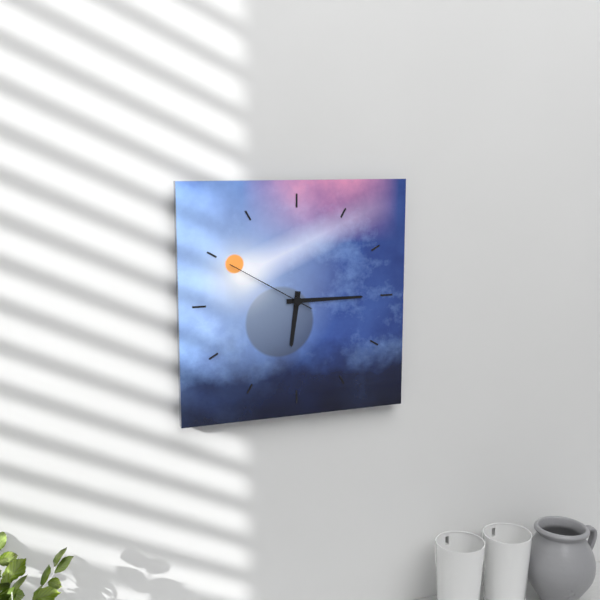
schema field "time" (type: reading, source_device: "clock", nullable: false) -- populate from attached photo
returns 6:15:50
